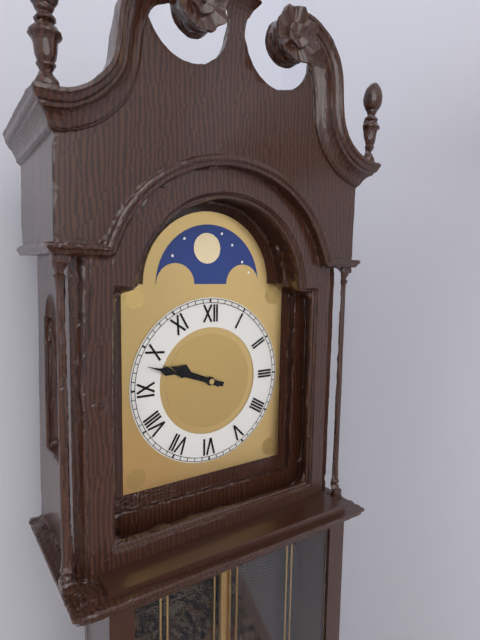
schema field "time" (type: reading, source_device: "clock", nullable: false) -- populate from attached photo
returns 9:48
